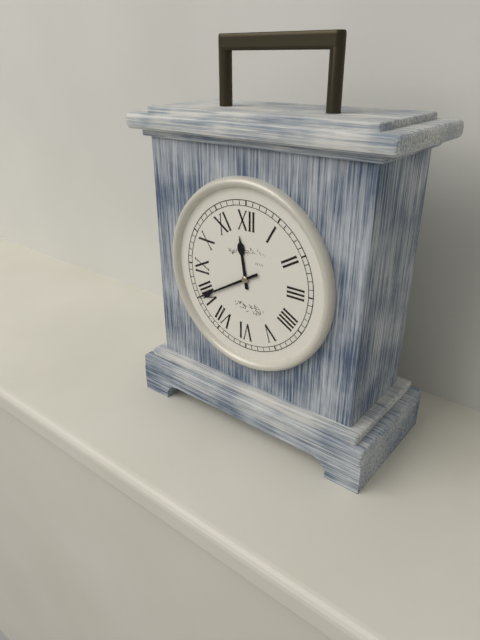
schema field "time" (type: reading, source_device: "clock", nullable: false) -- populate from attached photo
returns 11:40
